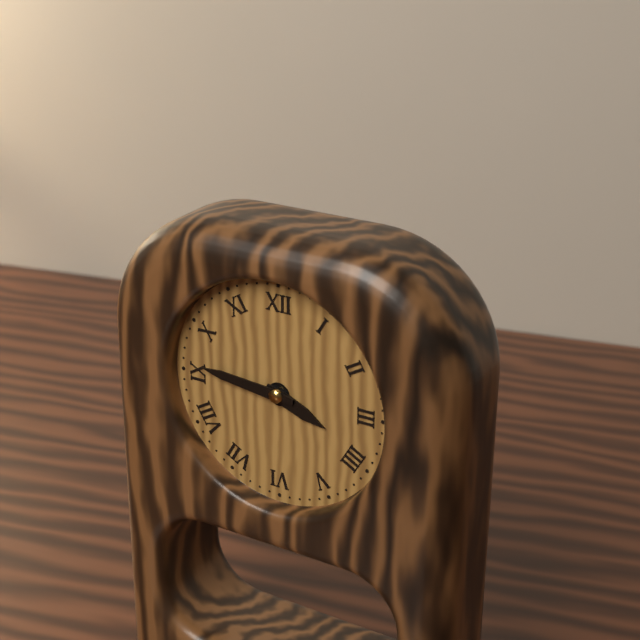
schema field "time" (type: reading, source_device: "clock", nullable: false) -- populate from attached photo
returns 3:46
